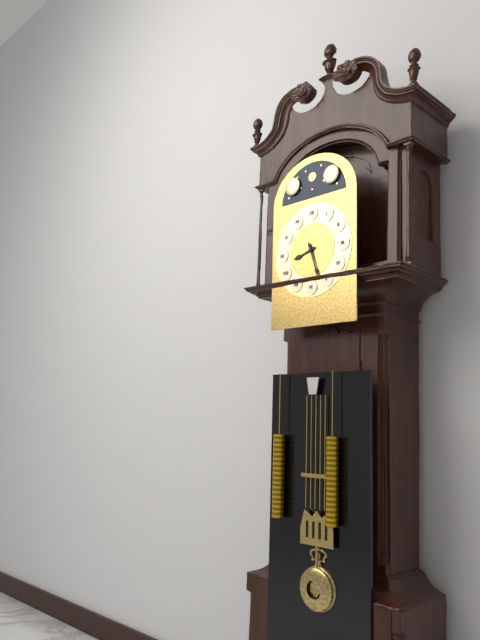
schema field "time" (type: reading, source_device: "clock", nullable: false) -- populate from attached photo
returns 8:27
